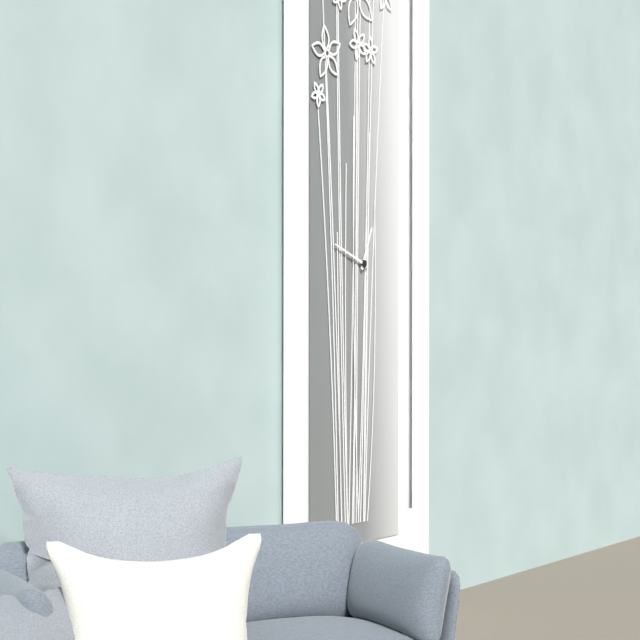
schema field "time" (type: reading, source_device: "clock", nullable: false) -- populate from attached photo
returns 12:48
